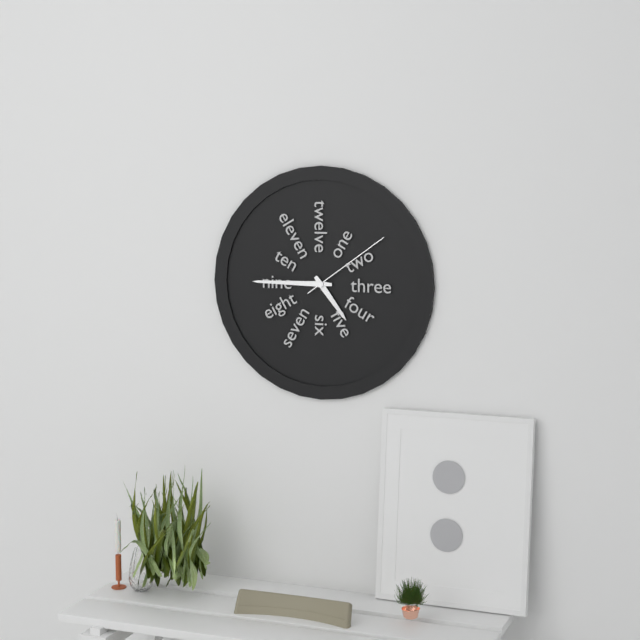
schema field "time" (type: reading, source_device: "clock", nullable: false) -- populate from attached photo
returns 4:45:09
